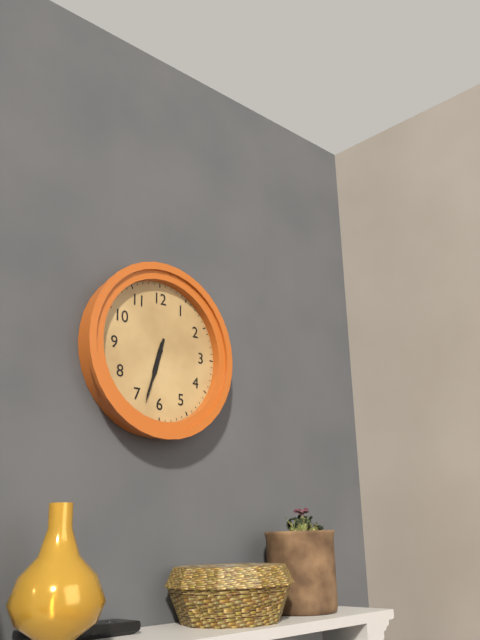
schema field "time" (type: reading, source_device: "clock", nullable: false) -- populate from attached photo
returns 6:33
